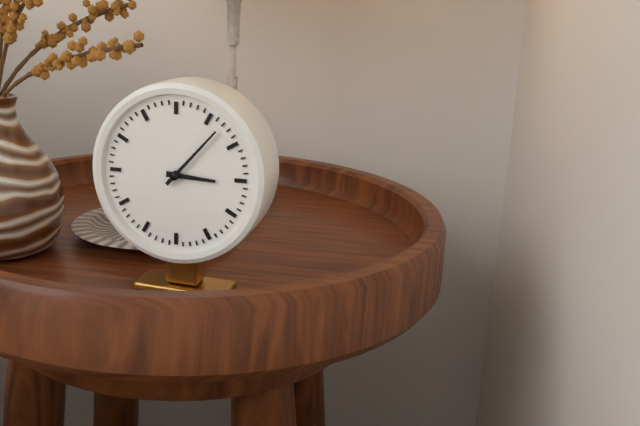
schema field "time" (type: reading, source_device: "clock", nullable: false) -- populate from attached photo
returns 3:07
